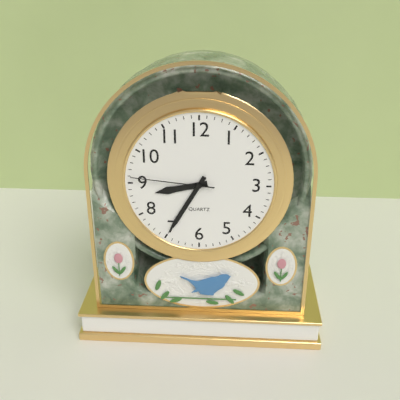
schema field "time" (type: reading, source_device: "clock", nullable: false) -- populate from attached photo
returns 8:35:46
